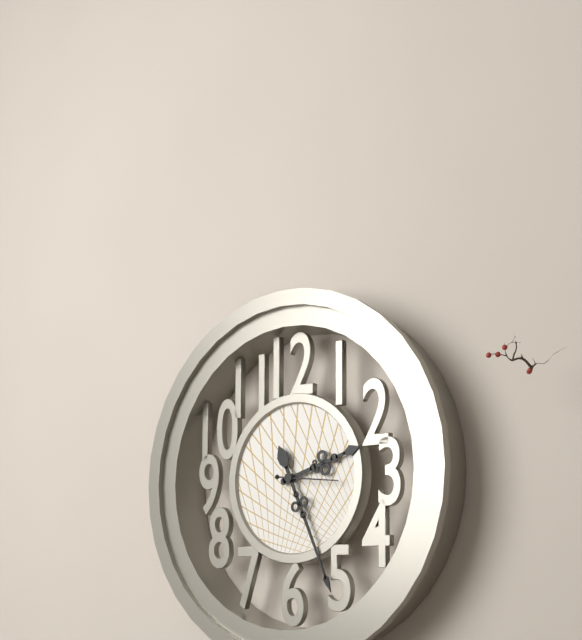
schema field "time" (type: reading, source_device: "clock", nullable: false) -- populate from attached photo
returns 2:26
